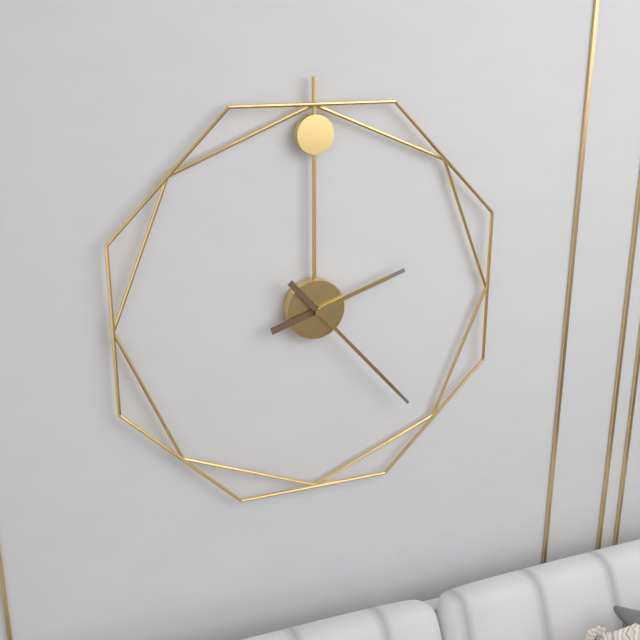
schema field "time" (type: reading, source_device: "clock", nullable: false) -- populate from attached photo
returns 2:23
